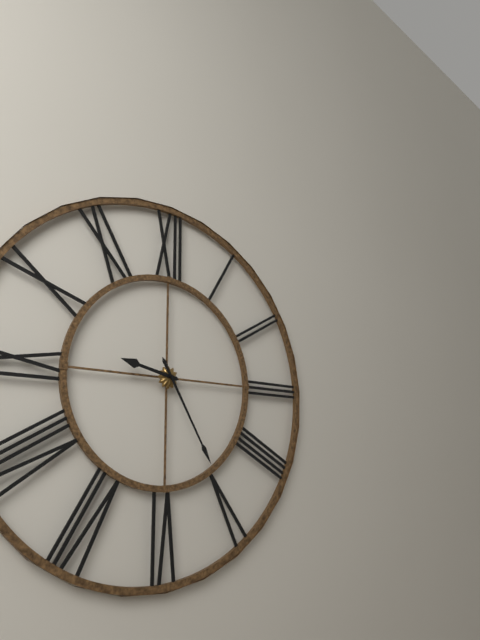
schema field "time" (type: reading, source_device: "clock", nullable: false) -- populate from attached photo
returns 9:25
